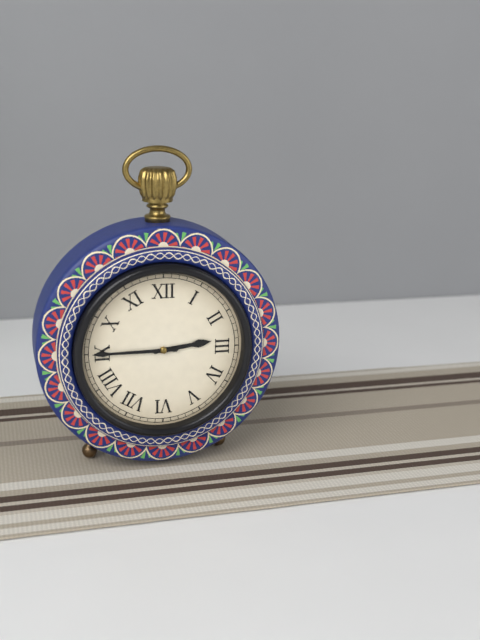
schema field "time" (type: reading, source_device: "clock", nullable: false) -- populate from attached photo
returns 2:45
